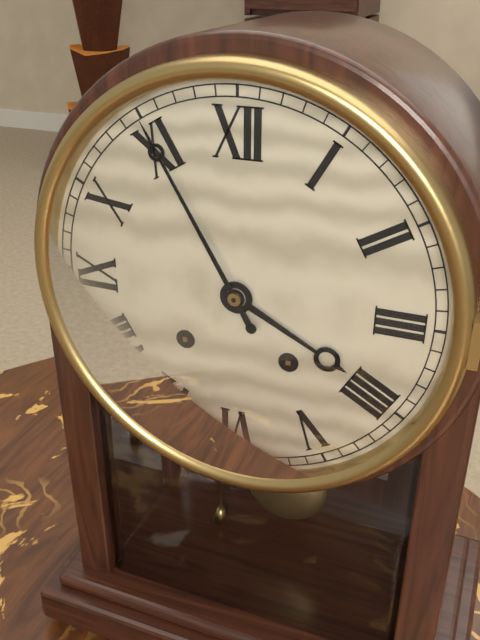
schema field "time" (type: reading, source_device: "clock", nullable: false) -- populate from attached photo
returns 3:55
